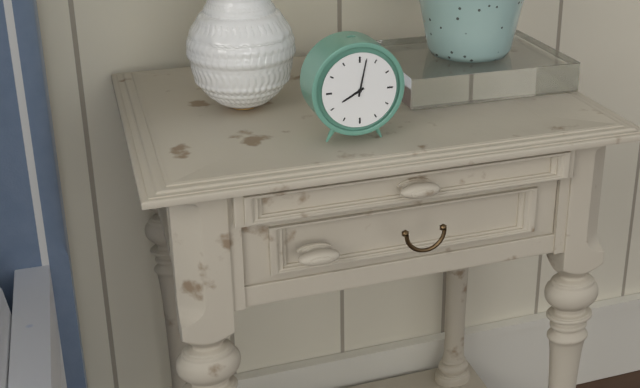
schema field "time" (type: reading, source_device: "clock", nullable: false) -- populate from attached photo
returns 8:02
